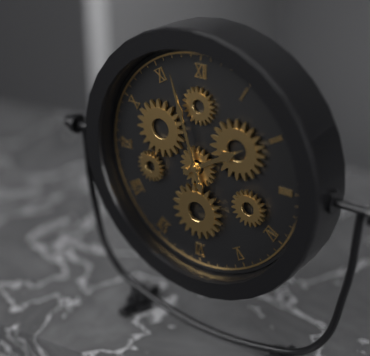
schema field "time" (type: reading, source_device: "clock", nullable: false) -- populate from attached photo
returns 1:57
